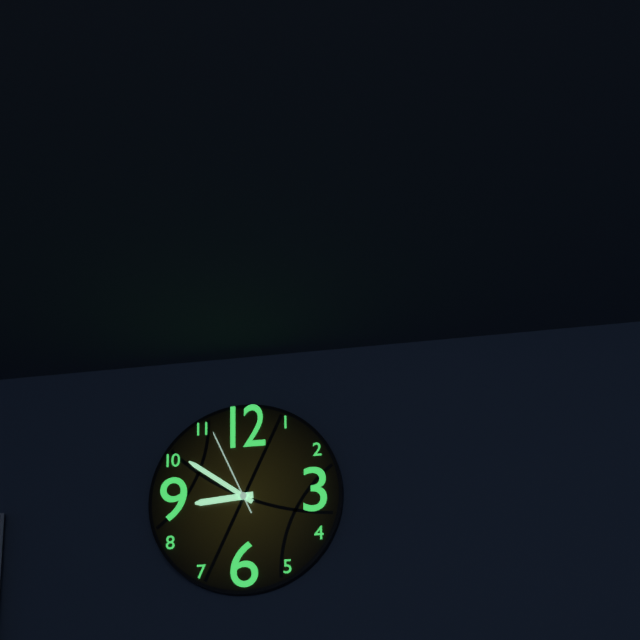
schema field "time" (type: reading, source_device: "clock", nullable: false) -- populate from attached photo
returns 8:51:56
